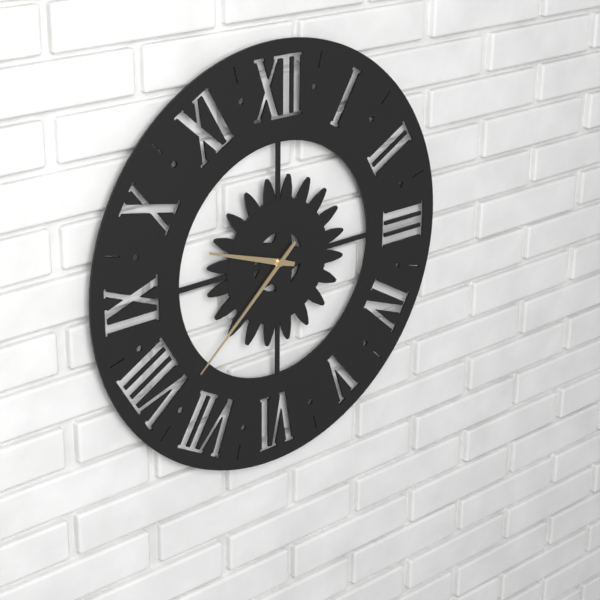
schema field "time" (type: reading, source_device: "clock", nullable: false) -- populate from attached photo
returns 9:38
